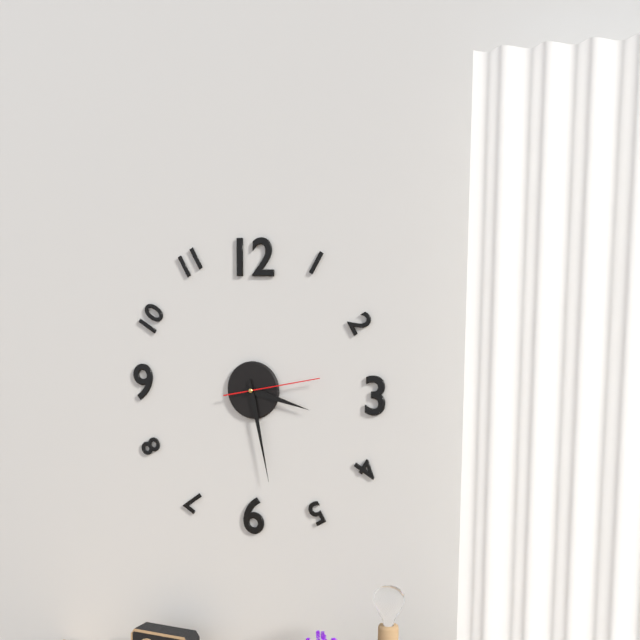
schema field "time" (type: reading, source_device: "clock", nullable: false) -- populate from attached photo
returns 3:28:13
